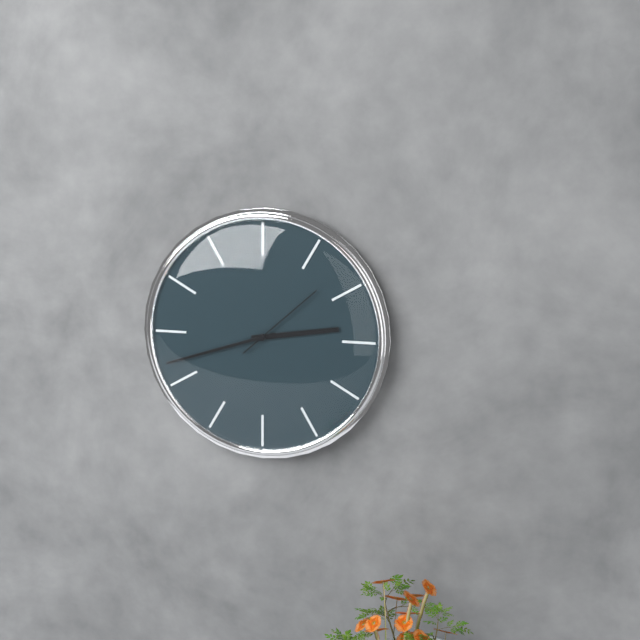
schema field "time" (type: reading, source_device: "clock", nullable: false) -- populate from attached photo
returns 2:42:08
